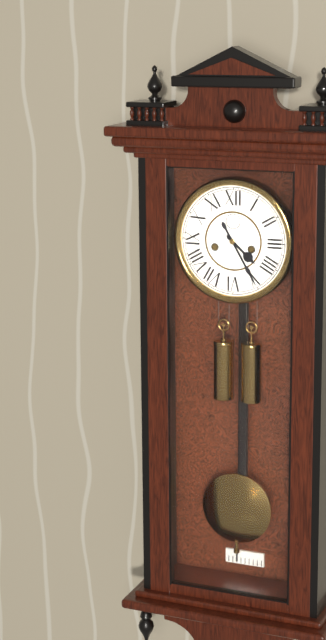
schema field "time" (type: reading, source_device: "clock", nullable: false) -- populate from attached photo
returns 4:25
